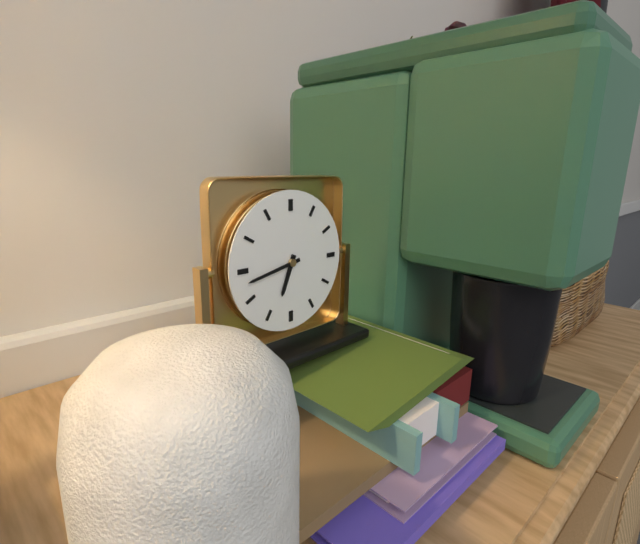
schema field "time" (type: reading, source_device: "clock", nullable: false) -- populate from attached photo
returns 6:43
